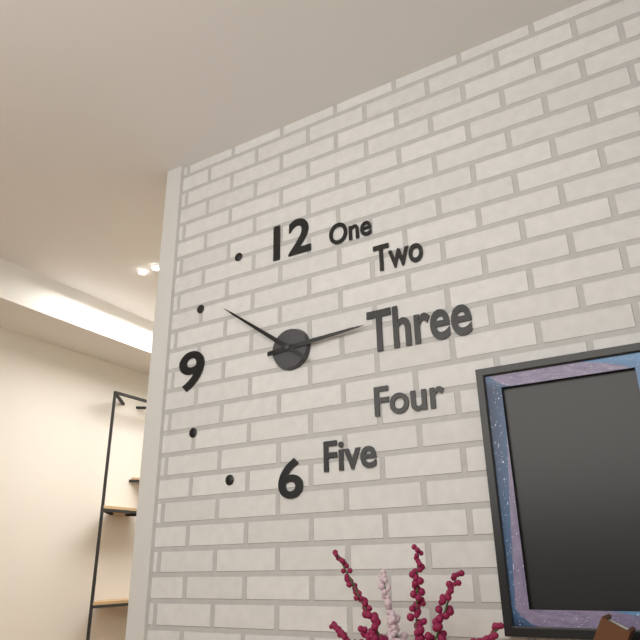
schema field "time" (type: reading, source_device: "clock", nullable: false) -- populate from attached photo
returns 2:51
